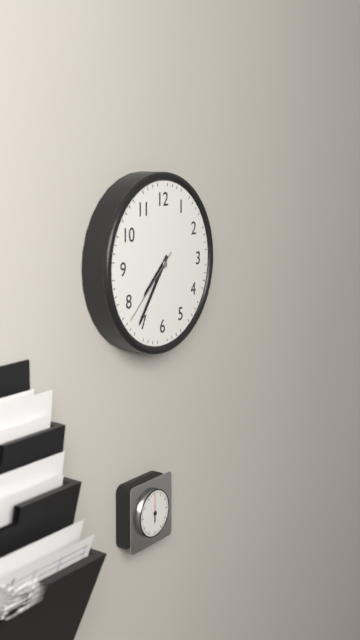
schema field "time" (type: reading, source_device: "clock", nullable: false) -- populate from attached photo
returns 7:36:38
